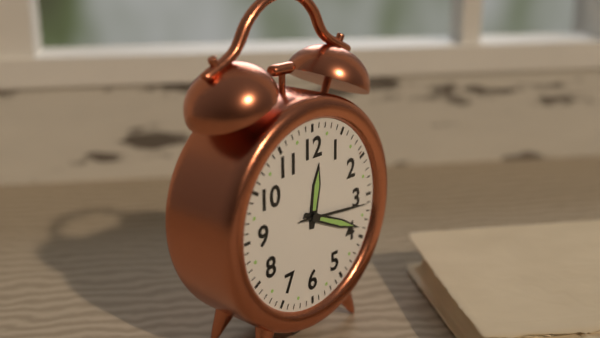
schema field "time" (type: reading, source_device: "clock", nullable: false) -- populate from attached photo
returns 12:19:16
